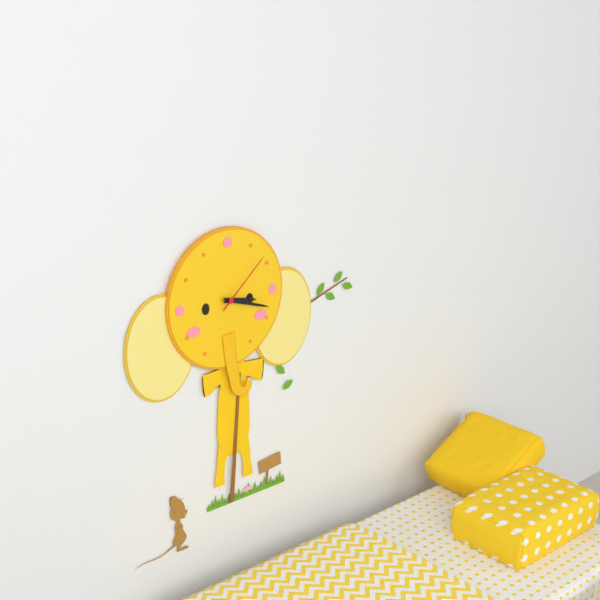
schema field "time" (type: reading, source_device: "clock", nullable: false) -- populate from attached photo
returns 3:18:08
